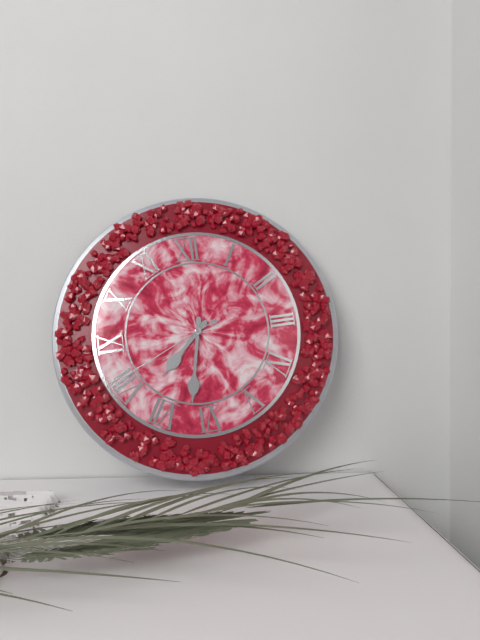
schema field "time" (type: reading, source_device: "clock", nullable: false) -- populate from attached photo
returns 7:32:41
